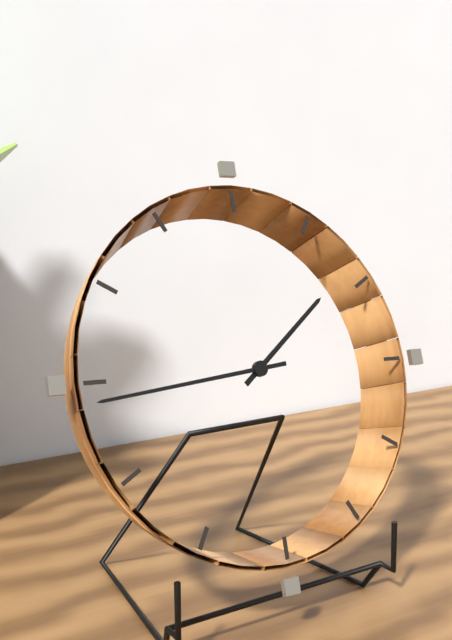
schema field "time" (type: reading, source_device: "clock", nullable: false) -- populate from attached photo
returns 1:44
